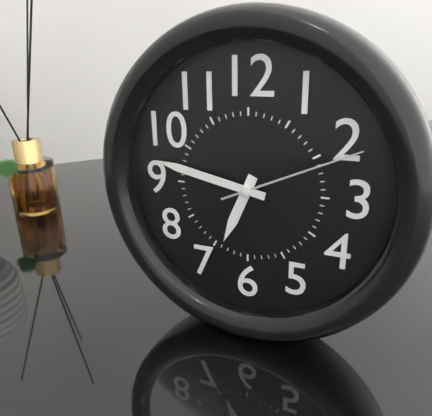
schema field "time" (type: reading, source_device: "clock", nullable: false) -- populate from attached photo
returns 6:47:11
